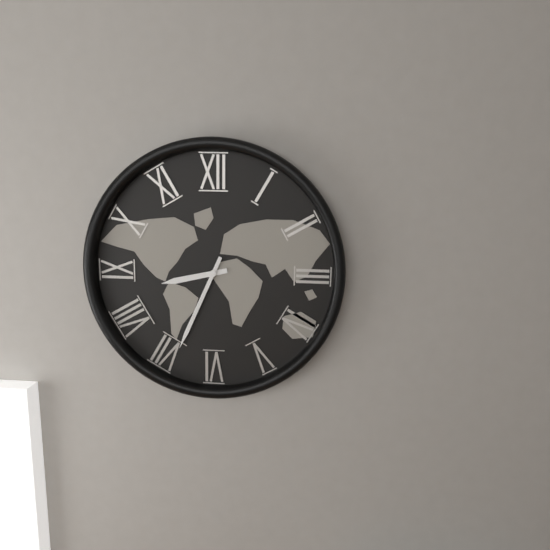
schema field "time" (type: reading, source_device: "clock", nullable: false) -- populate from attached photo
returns 8:34
